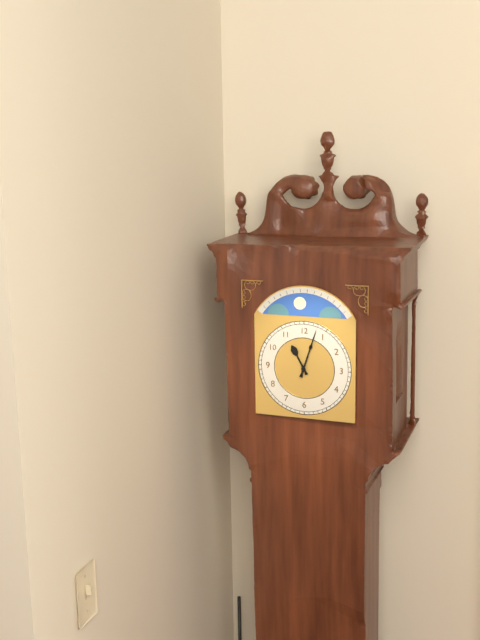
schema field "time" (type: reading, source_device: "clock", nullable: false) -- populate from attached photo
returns 11:03
